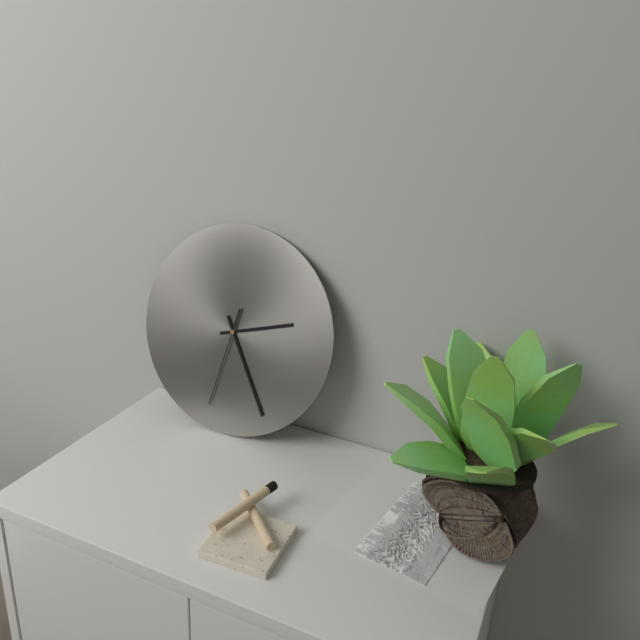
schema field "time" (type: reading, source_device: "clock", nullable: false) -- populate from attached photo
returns 2:25:32
